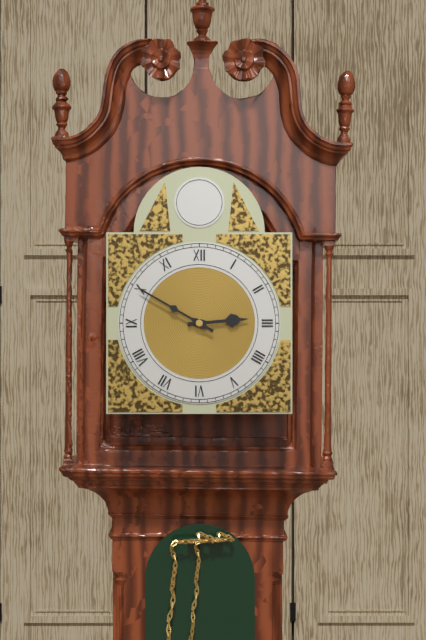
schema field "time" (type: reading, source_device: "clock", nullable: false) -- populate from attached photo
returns 2:50
